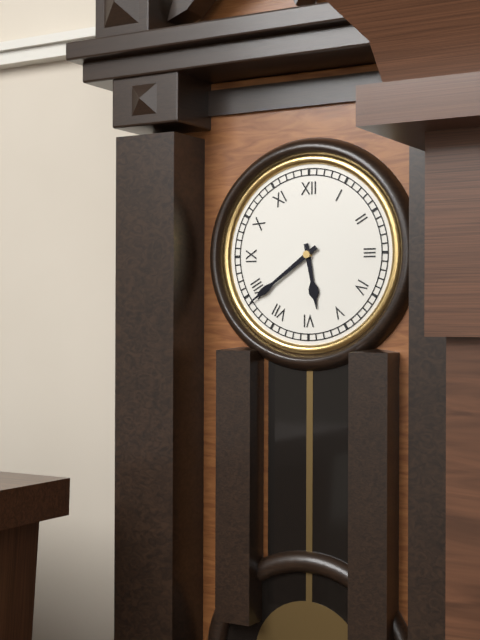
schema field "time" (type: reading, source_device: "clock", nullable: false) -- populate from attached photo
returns 5:39
